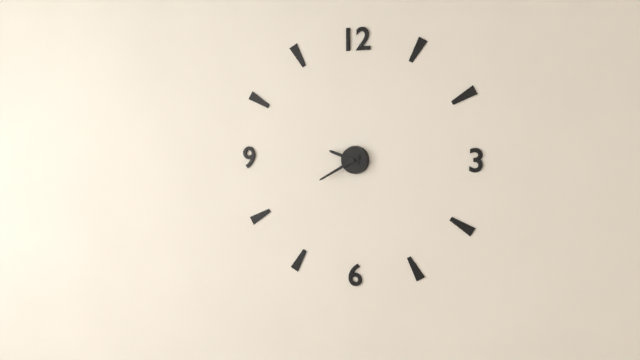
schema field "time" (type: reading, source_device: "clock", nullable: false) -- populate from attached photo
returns 9:40
